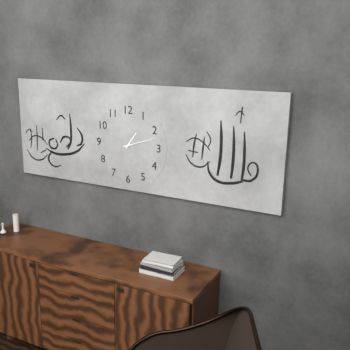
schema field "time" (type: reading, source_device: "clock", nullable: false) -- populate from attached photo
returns 1:12
